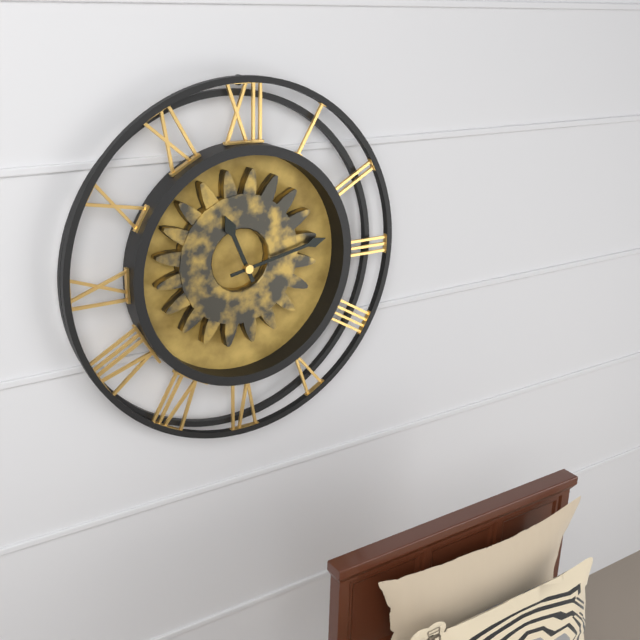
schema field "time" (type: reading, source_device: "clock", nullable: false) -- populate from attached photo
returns 11:13
